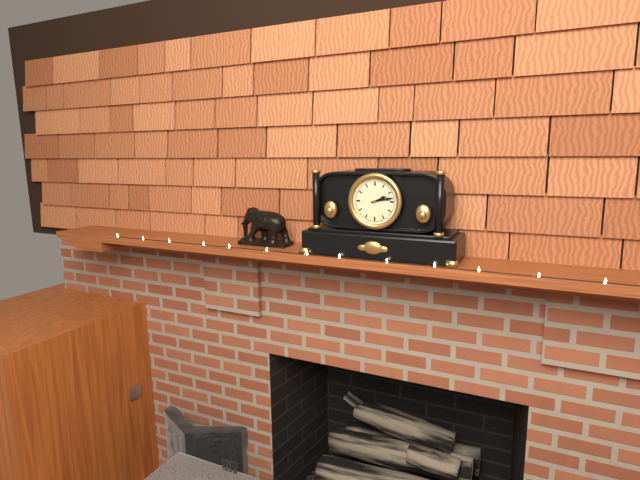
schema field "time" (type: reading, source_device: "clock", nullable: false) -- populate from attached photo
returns 2:13
